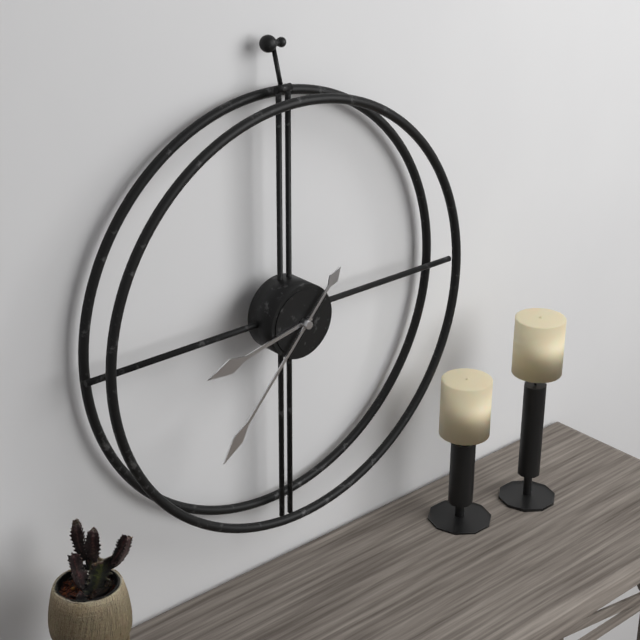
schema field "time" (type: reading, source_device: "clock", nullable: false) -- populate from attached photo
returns 8:37
